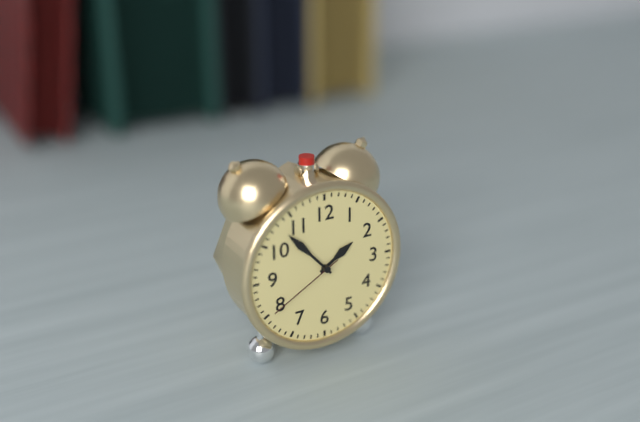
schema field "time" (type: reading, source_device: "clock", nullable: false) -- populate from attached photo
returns 1:53:40
